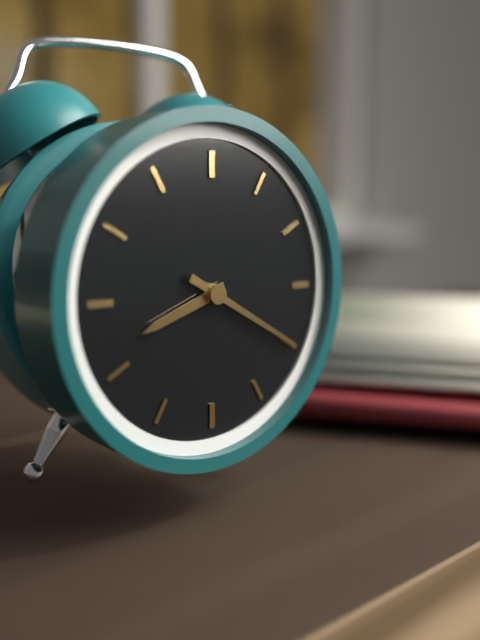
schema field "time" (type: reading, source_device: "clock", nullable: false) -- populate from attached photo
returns 8:20
